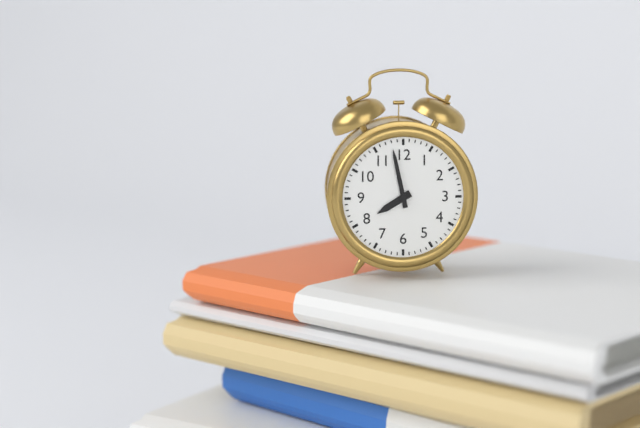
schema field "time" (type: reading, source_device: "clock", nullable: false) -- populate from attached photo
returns 7:58
